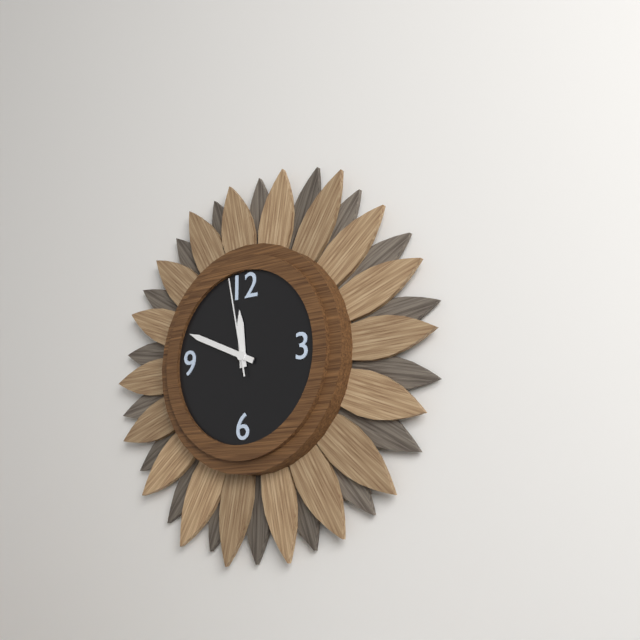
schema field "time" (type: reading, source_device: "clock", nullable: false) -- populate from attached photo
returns 11:49:58
